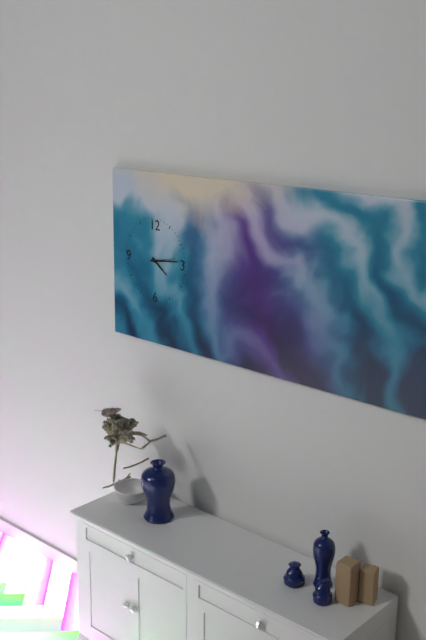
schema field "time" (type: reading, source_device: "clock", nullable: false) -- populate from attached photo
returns 4:14
